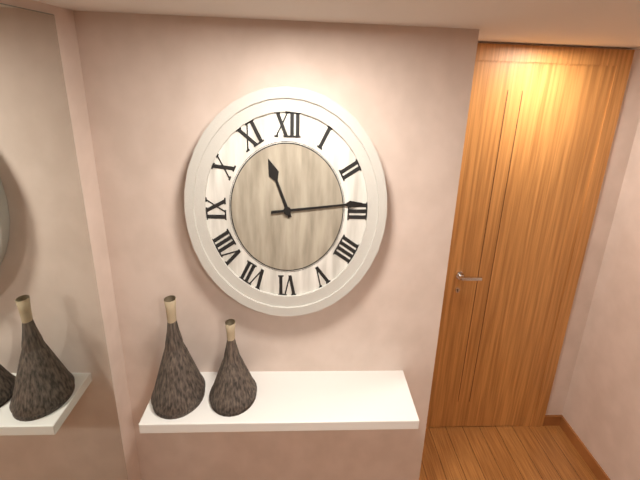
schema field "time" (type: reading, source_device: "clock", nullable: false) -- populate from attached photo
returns 11:14
